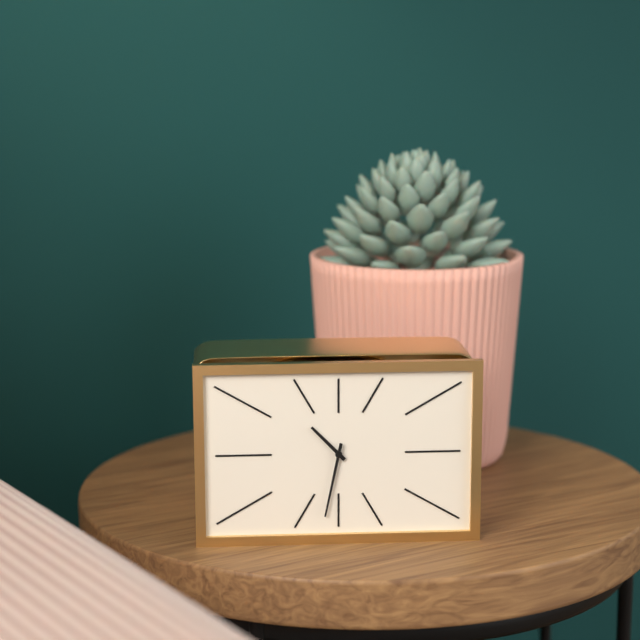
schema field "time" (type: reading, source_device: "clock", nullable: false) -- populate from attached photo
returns 10:32
